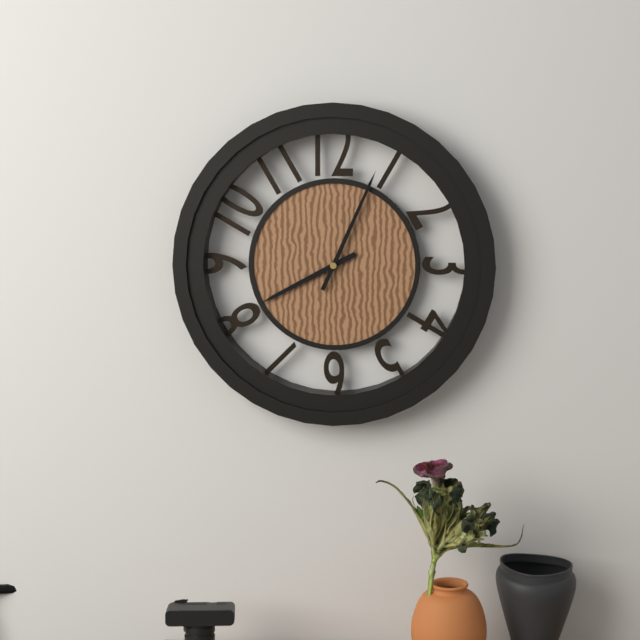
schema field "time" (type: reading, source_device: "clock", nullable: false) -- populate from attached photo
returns 8:04
